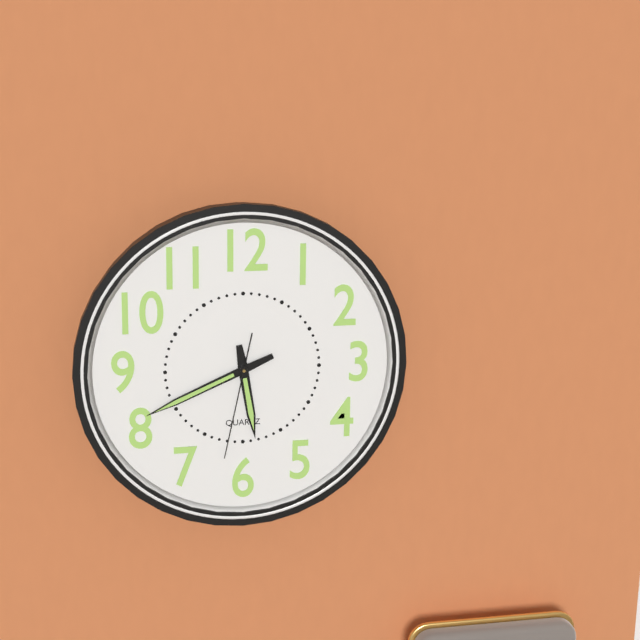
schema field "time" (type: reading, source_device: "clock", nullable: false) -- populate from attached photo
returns 5:41:32
